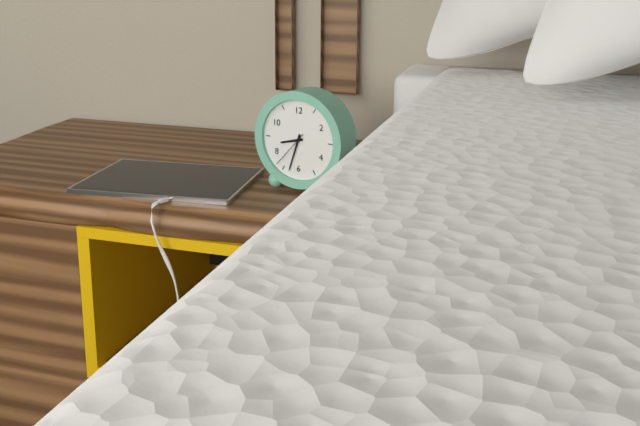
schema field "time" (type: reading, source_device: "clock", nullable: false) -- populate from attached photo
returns 8:33
